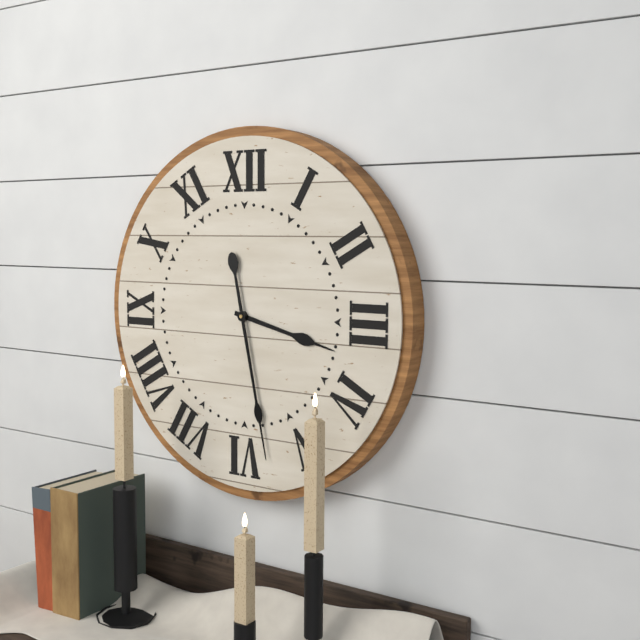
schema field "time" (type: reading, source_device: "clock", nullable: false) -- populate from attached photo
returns 3:28
